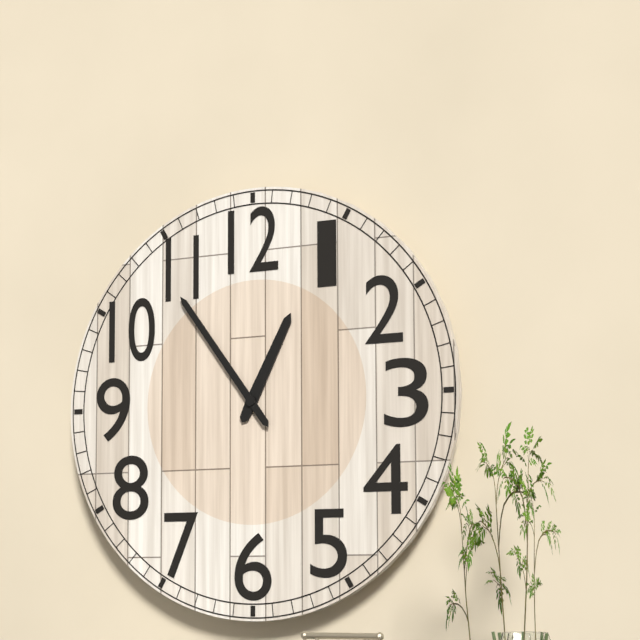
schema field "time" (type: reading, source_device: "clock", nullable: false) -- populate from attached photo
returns 12:54
